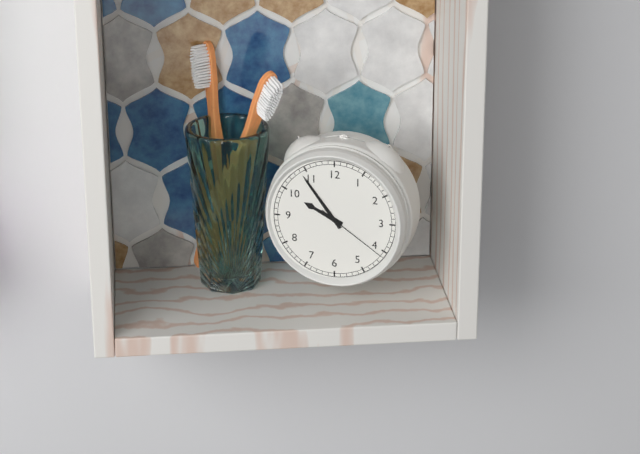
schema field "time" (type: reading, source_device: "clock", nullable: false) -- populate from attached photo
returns 9:54:21
